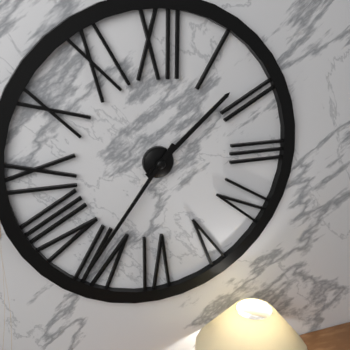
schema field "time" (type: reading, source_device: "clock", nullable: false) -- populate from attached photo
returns 1:36
